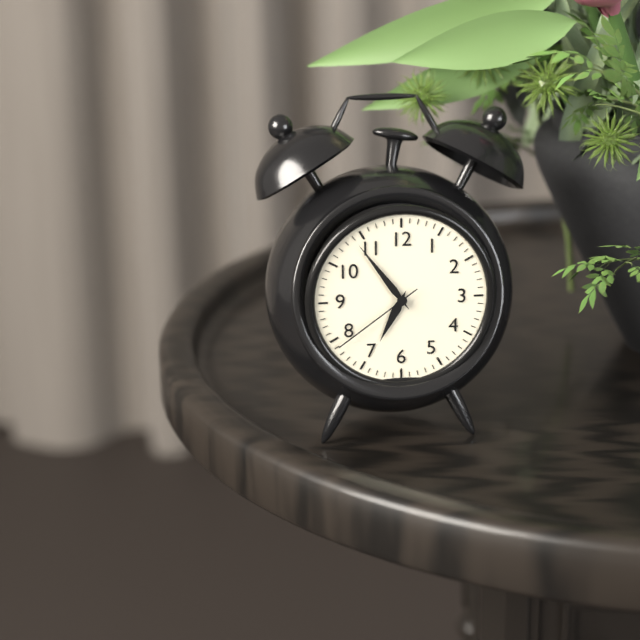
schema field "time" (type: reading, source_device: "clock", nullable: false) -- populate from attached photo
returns 6:54:39
